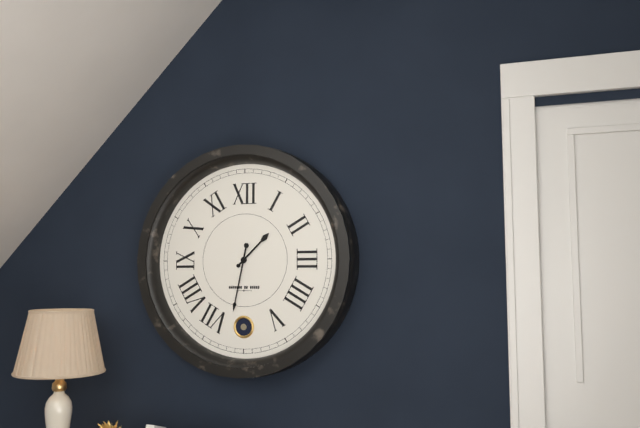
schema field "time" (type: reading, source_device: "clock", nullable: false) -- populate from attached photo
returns 1:32
